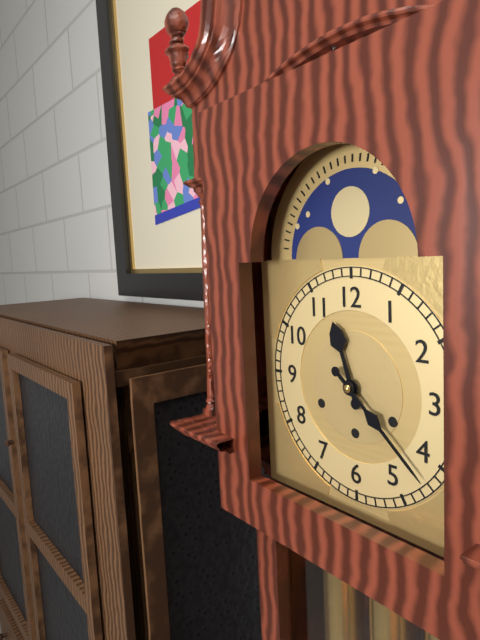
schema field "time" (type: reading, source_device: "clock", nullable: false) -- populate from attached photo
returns 11:22
